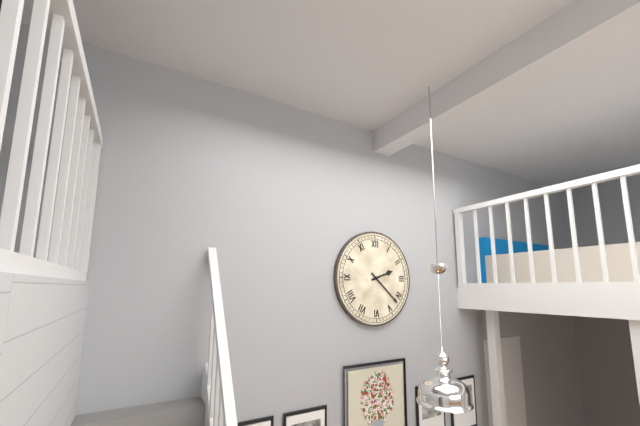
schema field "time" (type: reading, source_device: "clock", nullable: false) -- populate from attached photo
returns 2:22
